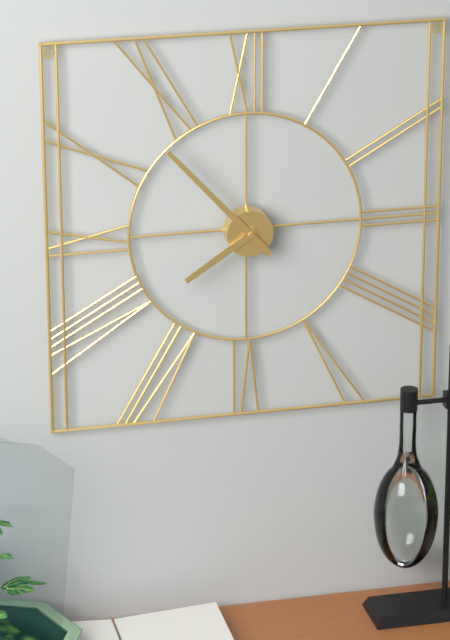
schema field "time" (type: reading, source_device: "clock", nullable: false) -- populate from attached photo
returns 7:53
